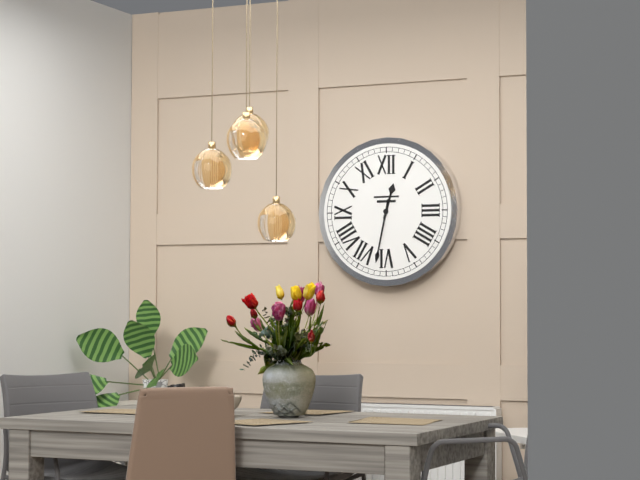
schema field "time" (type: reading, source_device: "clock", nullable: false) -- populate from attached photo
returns 12:32
